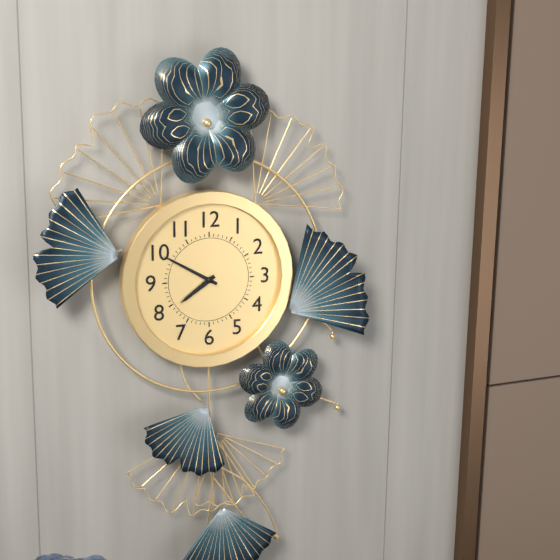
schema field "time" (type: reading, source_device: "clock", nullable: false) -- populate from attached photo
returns 7:50
